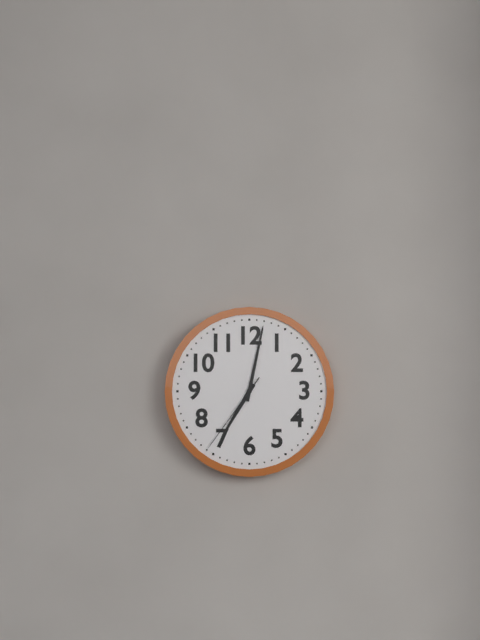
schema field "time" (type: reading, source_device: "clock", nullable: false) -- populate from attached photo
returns 7:02:36
